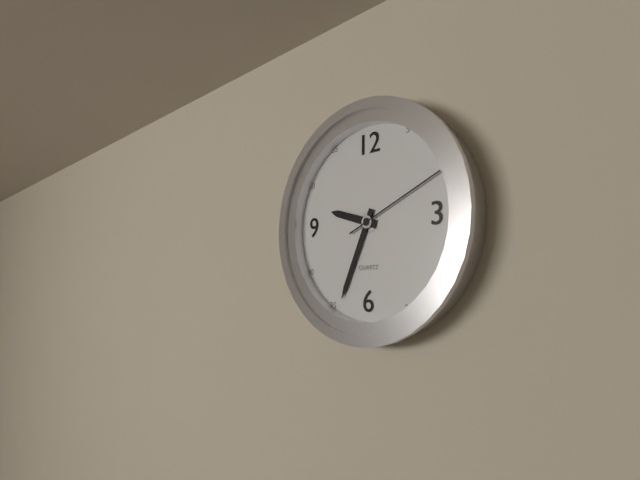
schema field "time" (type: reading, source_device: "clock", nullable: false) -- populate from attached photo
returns 9:34:11
